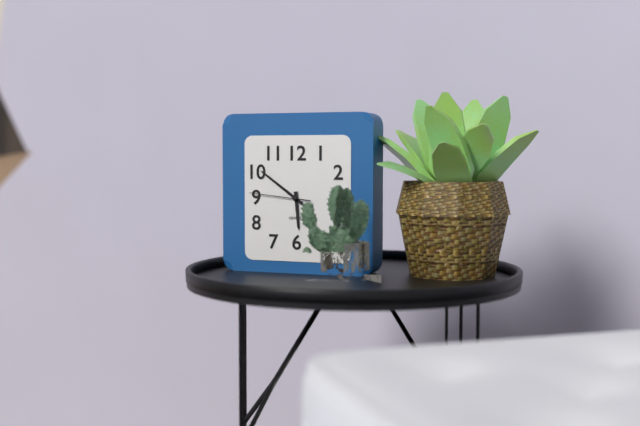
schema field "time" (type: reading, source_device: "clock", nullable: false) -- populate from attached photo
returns 5:51:46
